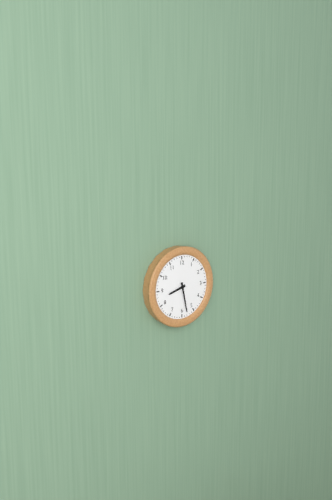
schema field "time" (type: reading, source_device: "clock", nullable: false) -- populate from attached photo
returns 8:28
